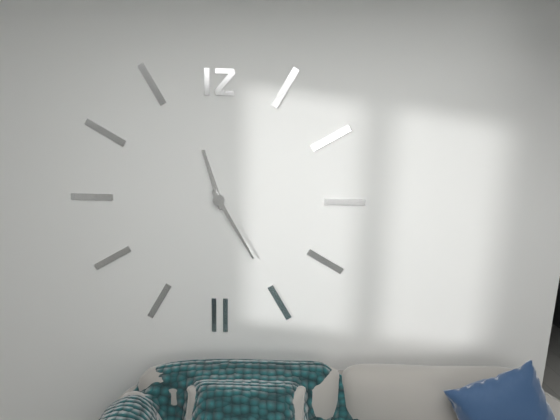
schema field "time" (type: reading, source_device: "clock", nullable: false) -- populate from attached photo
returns 11:25
